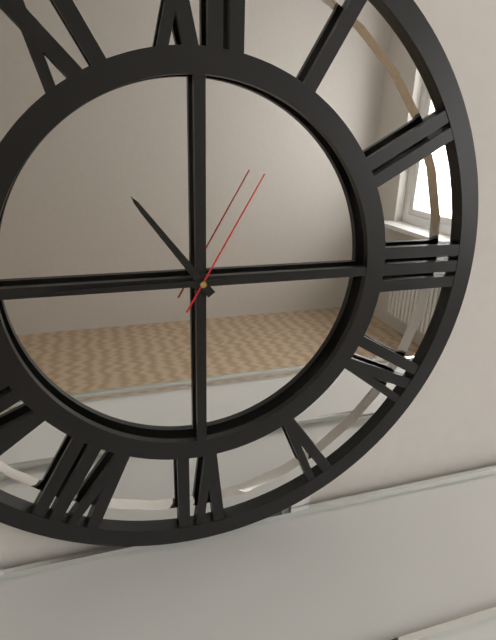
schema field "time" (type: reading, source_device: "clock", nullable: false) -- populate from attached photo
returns 10:45:05
